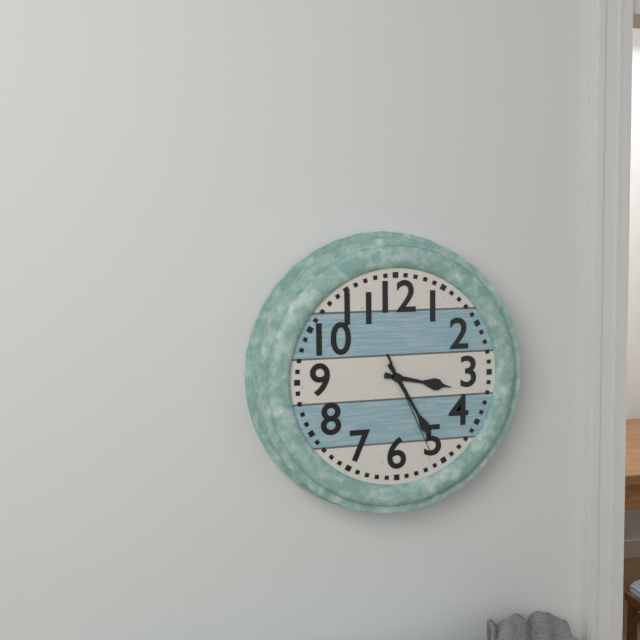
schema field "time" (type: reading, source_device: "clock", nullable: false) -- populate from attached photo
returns 3:25:26
